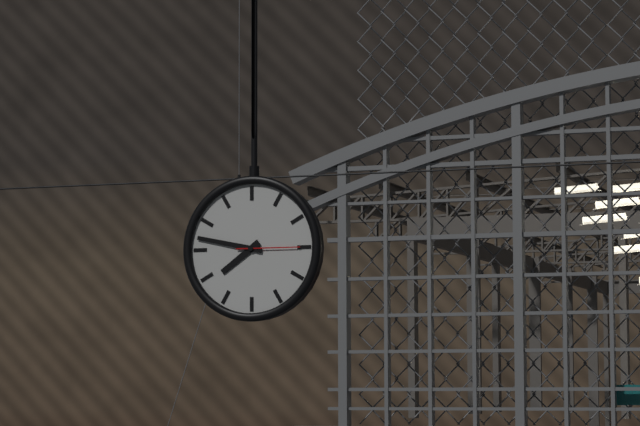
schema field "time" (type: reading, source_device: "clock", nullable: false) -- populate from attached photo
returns 7:47:15
